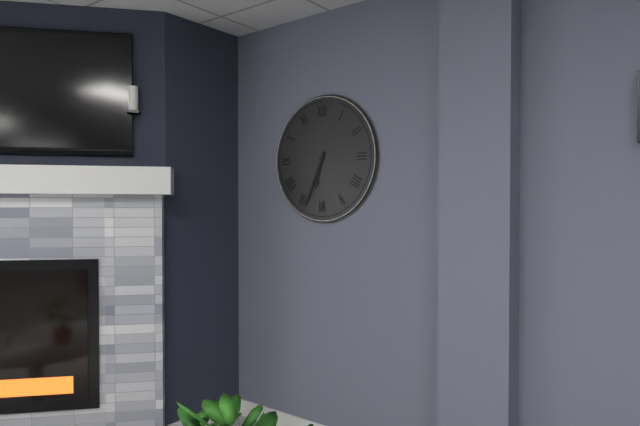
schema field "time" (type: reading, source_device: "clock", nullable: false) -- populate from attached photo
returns 6:34
